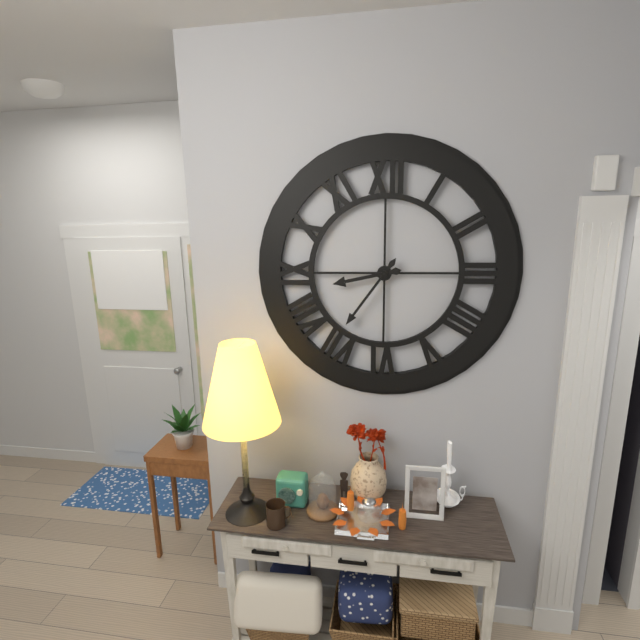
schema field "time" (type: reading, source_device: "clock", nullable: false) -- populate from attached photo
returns 8:36
